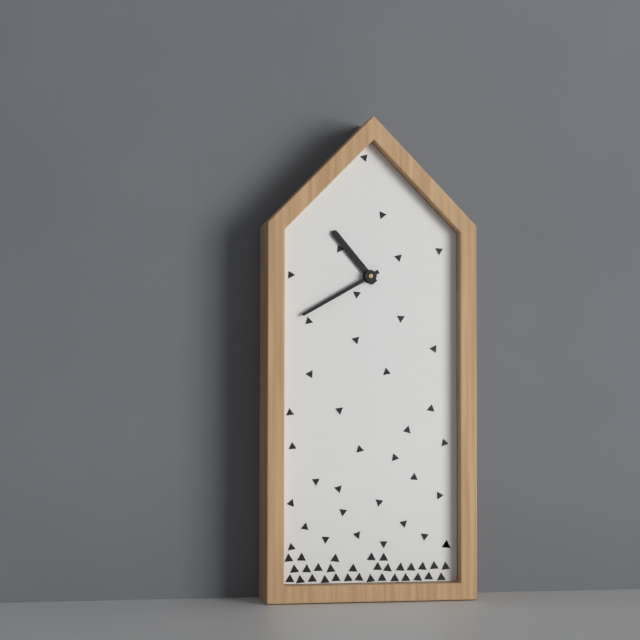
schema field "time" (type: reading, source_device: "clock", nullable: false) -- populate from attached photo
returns 10:40
